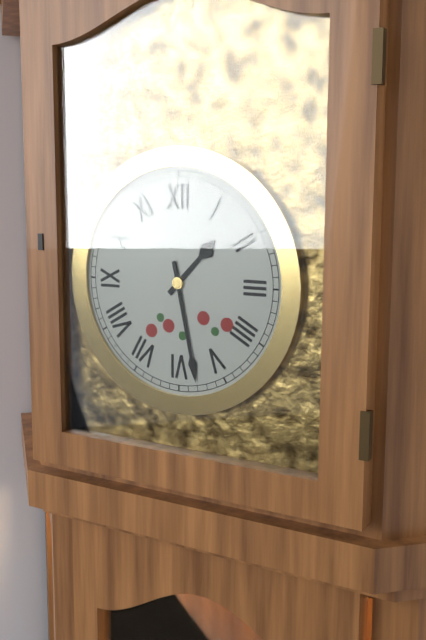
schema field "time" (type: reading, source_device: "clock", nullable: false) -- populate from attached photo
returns 1:28
